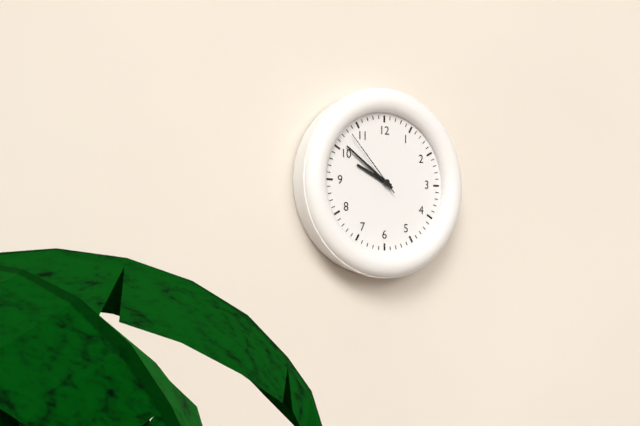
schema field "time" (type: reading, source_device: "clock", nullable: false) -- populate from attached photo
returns 9:51:53
